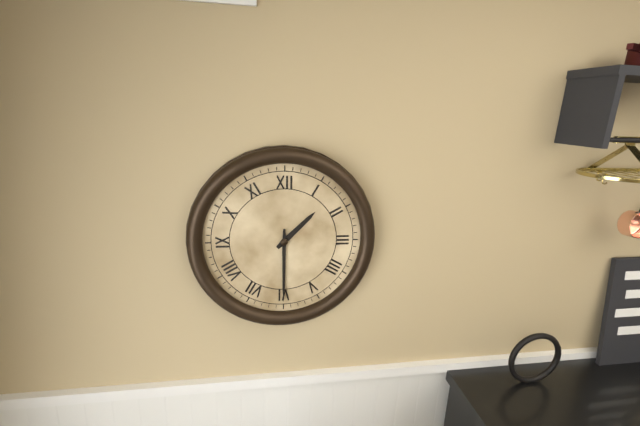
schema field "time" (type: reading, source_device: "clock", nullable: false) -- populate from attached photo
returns 1:30
